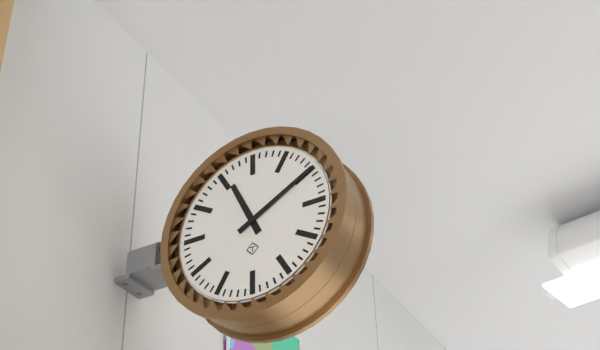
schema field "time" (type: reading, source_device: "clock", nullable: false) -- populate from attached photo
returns 11:10
